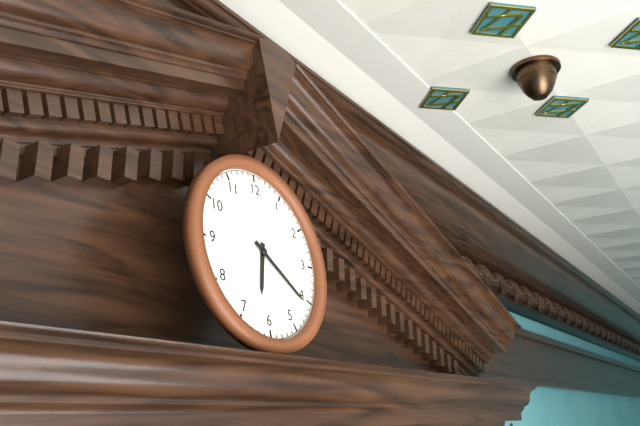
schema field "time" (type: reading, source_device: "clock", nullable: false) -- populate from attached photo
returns 6:21
